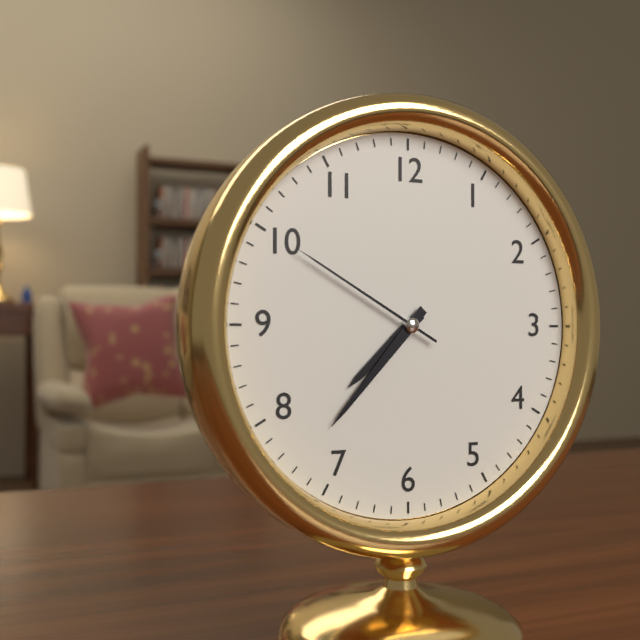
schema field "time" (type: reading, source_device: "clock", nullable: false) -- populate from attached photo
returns 7:37:50
